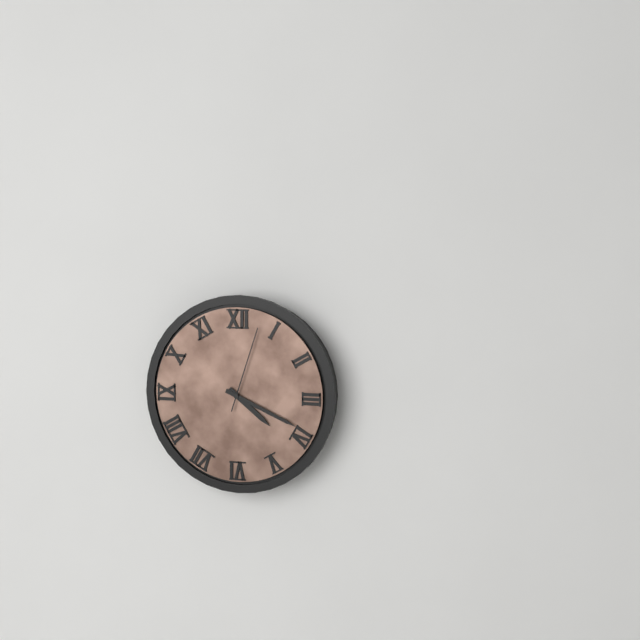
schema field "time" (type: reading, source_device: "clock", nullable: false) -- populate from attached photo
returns 4:19:03
